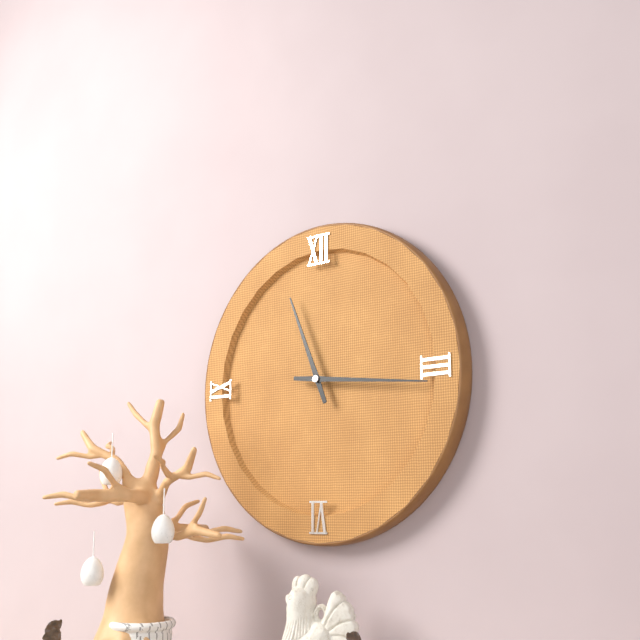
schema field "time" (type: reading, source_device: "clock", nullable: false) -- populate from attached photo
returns 11:16
